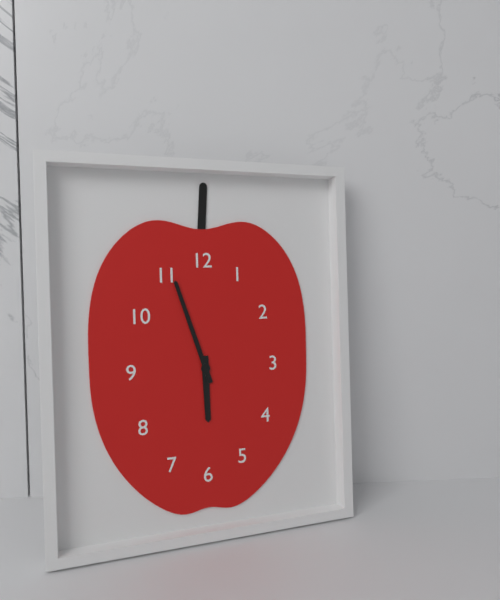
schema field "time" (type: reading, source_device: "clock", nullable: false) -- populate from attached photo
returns 5:57
